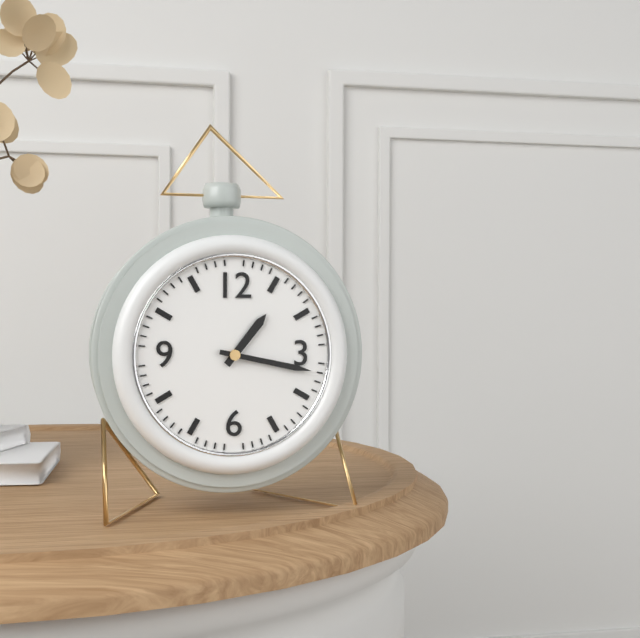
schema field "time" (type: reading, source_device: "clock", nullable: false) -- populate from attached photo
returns 1:17
